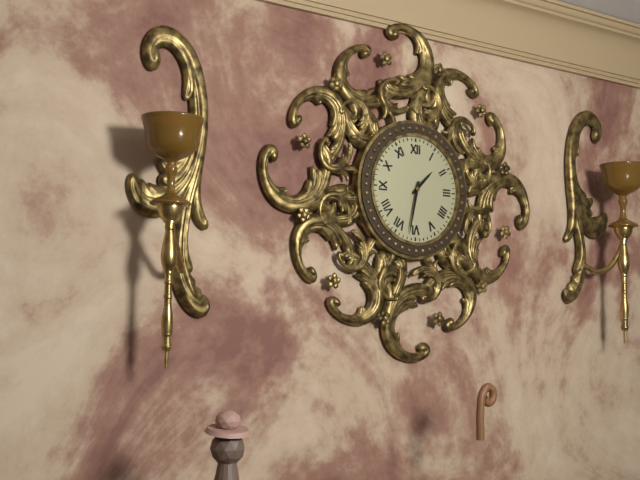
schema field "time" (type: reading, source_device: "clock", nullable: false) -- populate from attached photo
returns 1:32
